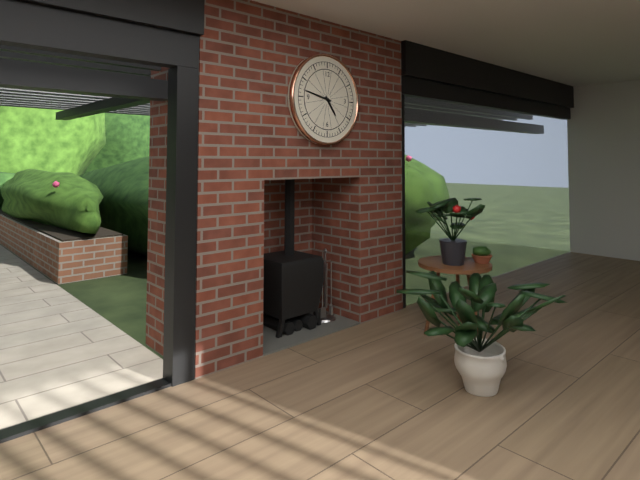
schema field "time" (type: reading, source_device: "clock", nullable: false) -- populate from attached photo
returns 4:47
